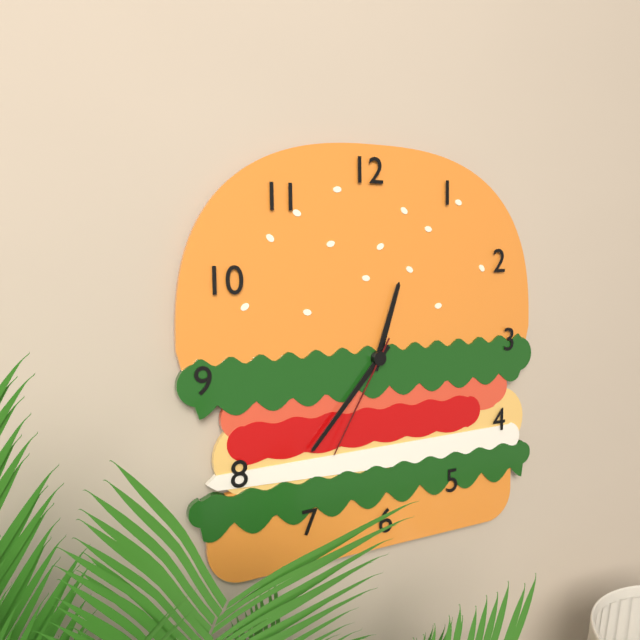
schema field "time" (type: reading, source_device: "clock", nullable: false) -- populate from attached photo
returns 12:37:35
